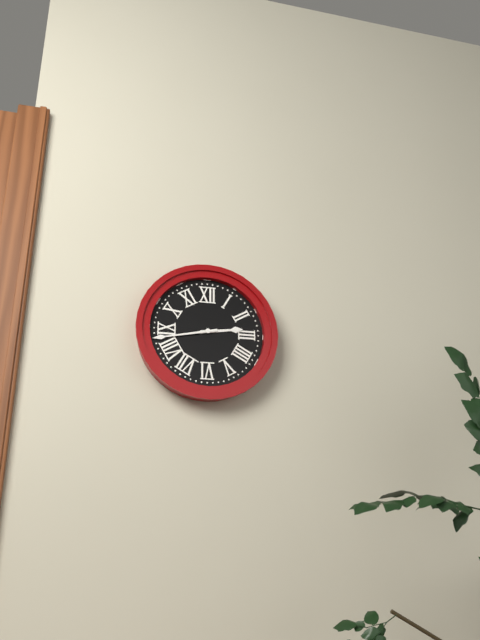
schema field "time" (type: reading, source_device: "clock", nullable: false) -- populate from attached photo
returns 2:43
